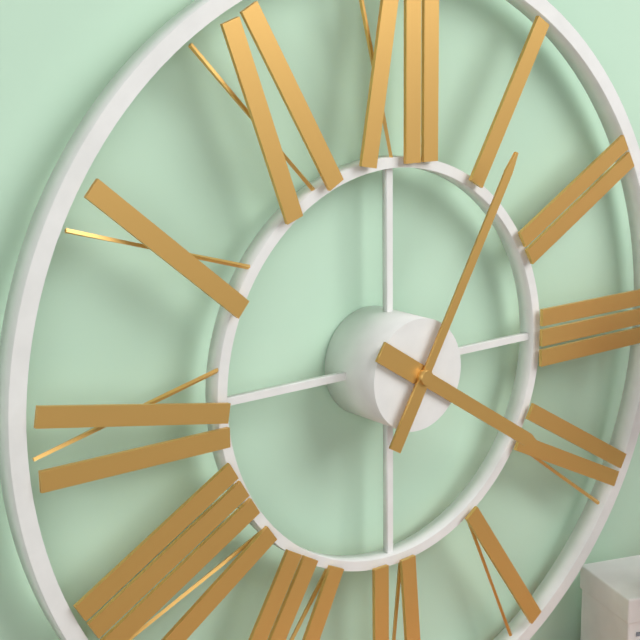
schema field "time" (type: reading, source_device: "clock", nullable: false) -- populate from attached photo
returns 4:05
